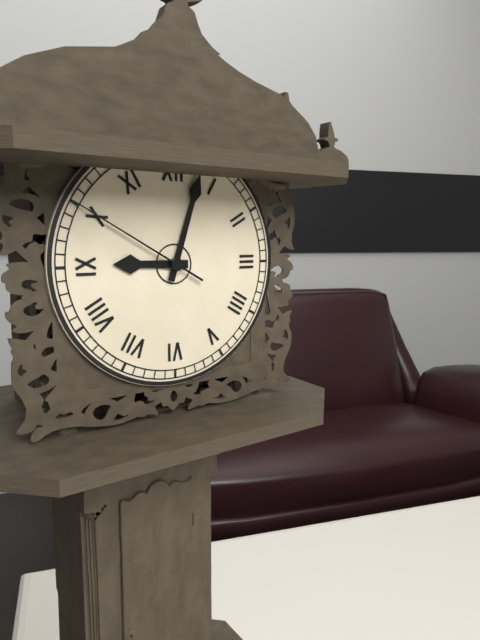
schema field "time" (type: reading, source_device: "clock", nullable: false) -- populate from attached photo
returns 9:03:50
